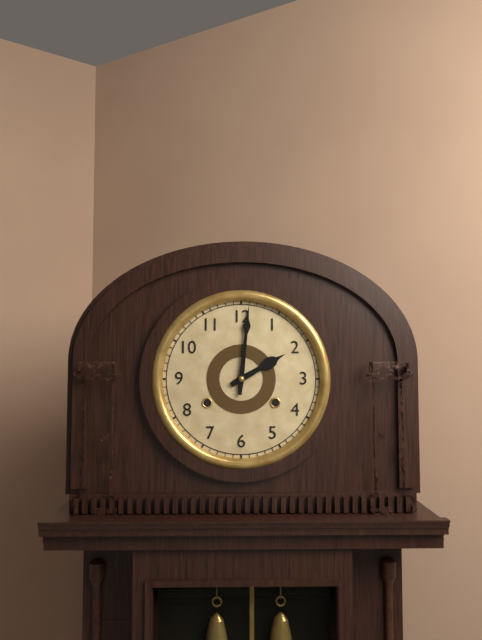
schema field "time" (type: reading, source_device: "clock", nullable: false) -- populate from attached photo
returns 2:01
